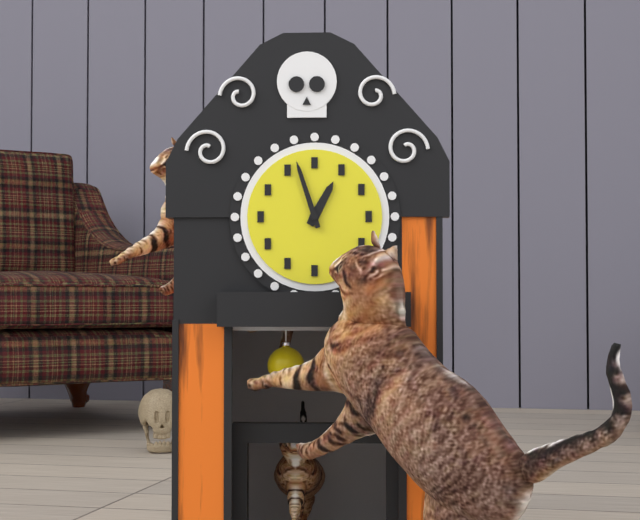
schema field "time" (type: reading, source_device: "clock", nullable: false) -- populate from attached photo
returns 12:57
